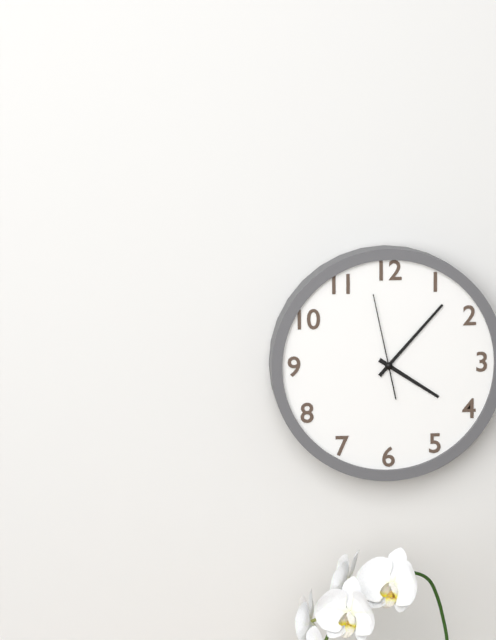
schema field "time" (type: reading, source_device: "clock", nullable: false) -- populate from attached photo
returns 4:07:58
